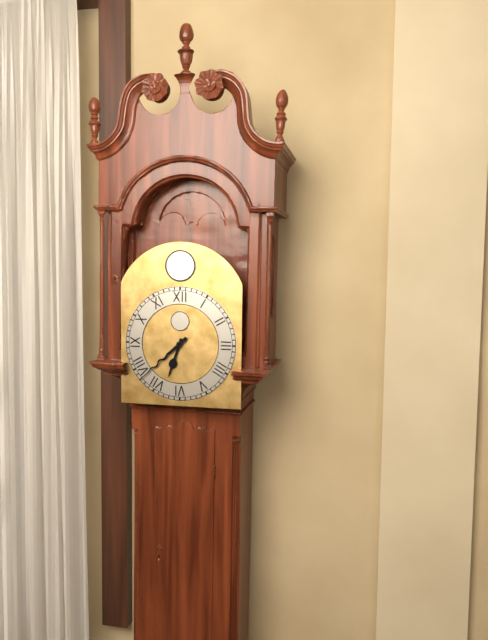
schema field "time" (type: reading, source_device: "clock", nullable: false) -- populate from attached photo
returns 6:38
